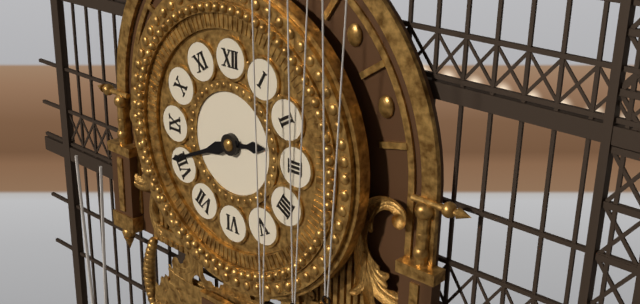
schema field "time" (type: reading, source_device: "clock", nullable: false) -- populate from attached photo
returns 2:41
